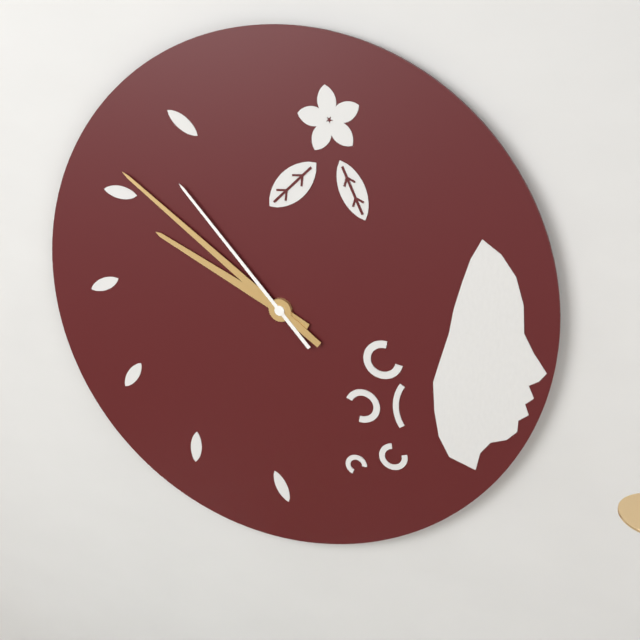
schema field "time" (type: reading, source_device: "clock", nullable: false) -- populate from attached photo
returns 9:51:53
